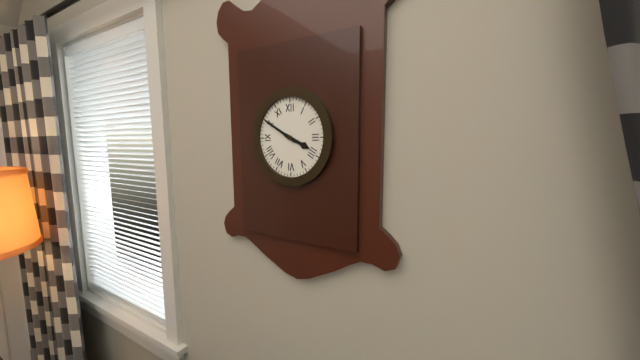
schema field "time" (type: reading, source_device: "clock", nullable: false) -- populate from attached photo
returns 3:50
